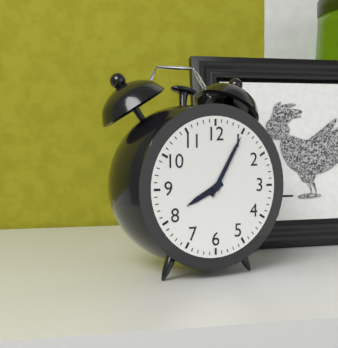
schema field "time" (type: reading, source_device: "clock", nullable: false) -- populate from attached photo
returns 8:05
